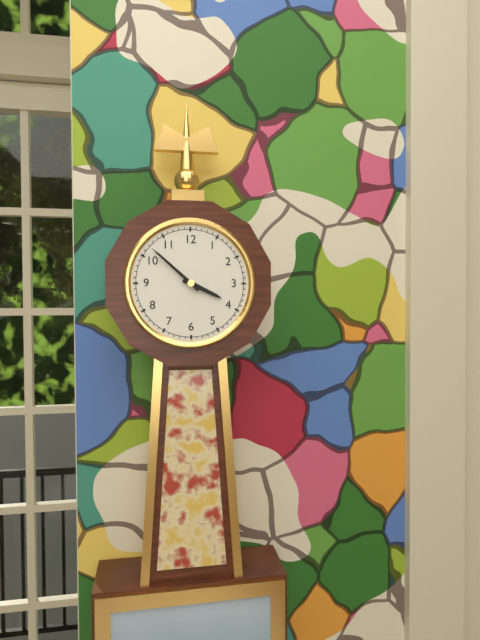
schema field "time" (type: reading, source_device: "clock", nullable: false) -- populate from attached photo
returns 3:52
